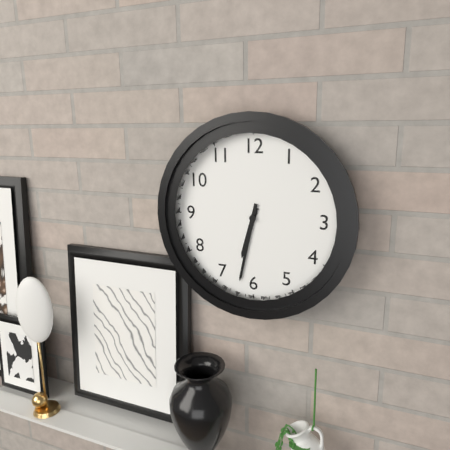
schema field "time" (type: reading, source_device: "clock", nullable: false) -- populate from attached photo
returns 6:32
